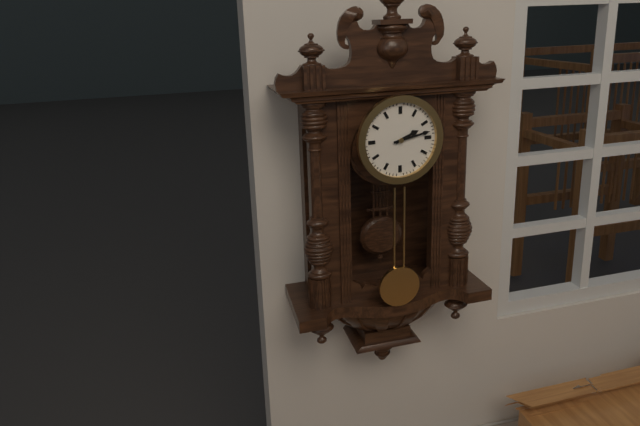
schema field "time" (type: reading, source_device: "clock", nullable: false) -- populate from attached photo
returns 2:13
